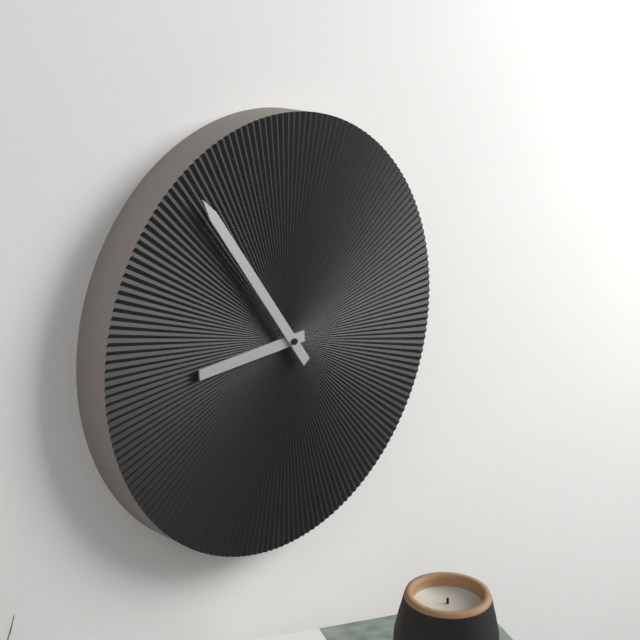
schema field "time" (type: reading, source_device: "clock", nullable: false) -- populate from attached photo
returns 8:54
